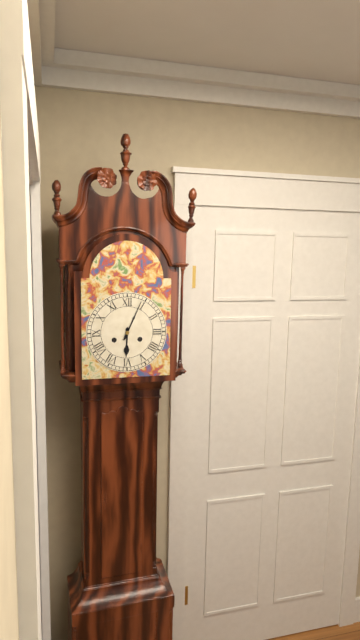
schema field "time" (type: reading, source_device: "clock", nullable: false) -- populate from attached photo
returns 6:04
